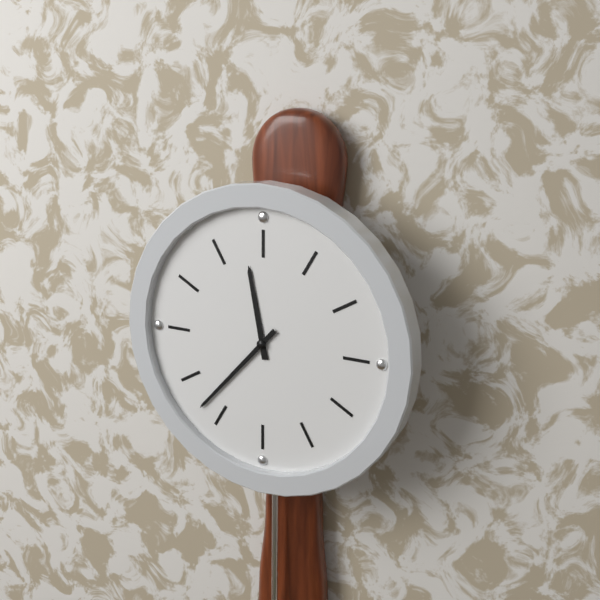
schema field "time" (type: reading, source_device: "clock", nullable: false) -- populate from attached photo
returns 11:37
